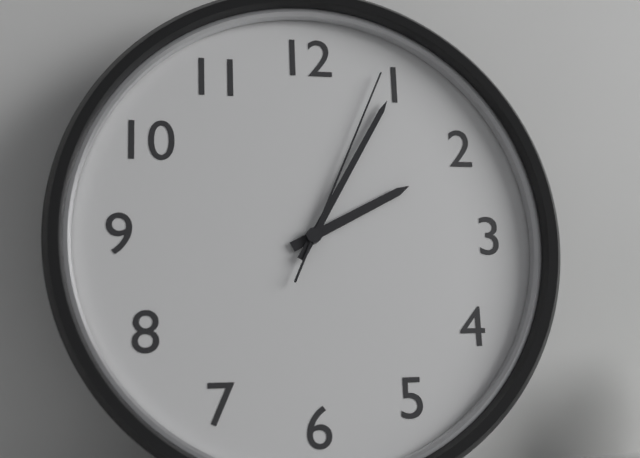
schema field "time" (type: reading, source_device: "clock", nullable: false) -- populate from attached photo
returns 2:05:04
